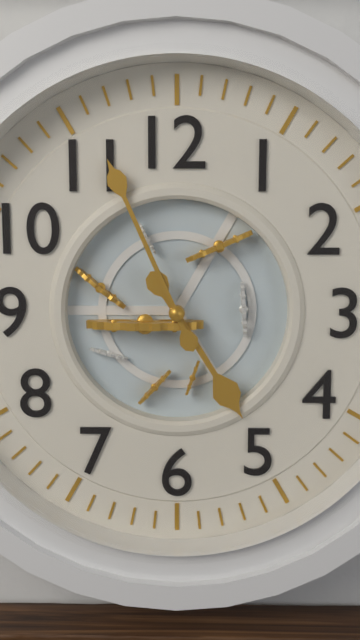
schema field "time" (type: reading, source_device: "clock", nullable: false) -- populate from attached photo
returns 4:56
